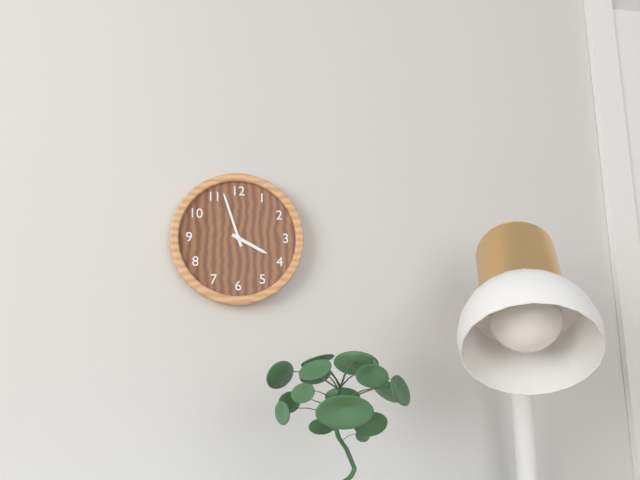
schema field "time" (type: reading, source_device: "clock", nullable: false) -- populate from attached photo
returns 3:57
